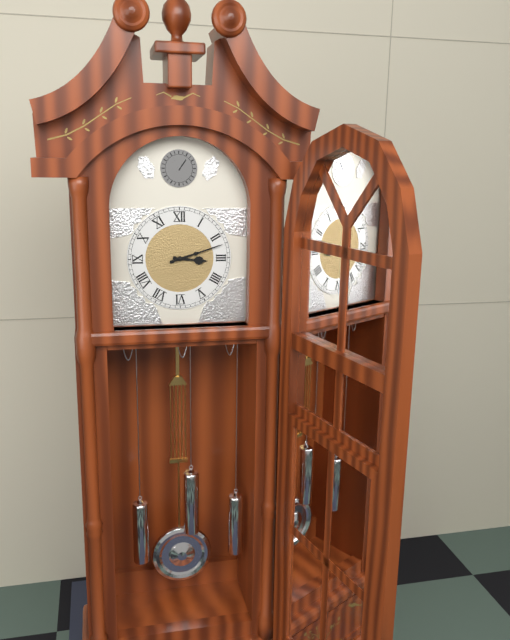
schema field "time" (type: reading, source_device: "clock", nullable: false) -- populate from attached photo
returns 3:12
